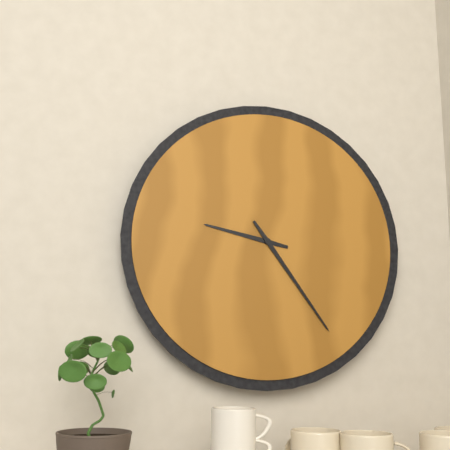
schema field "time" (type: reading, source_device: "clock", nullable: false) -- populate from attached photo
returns 9:24
